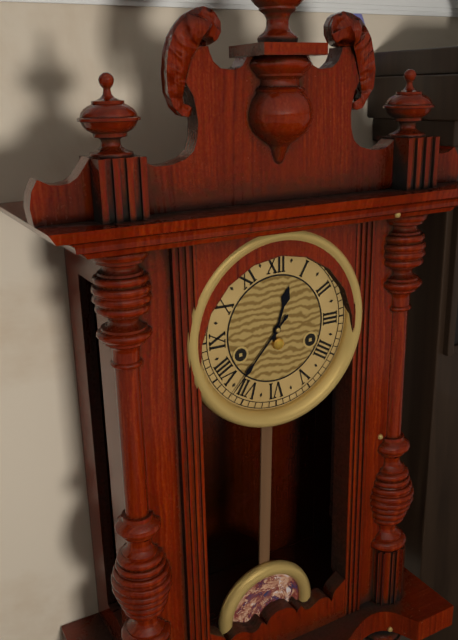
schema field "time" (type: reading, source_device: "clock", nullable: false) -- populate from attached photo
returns 12:37
